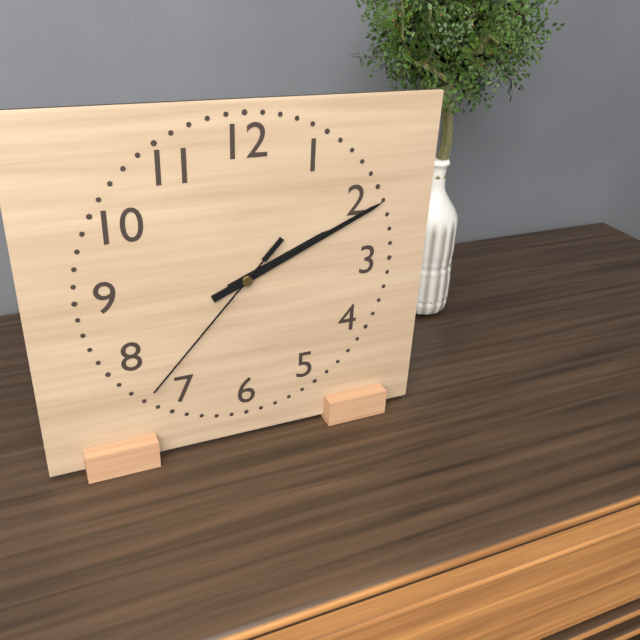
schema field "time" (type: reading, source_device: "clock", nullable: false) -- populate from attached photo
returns 2:11:37
